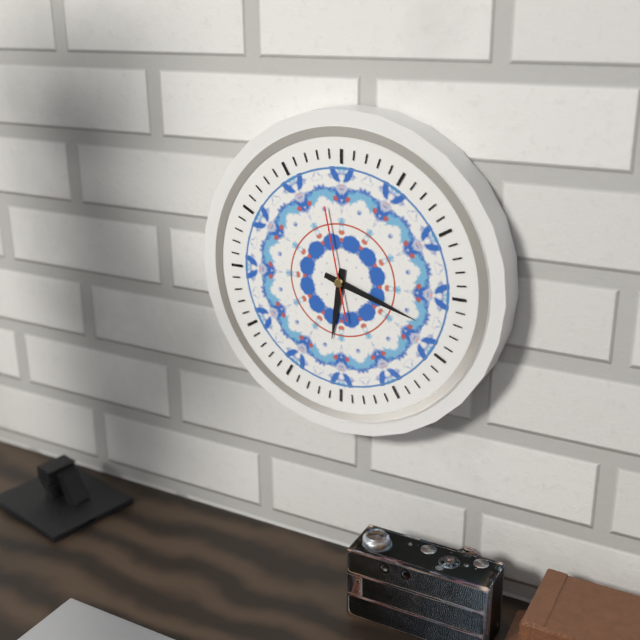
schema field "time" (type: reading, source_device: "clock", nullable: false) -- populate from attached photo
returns 6:18:58
